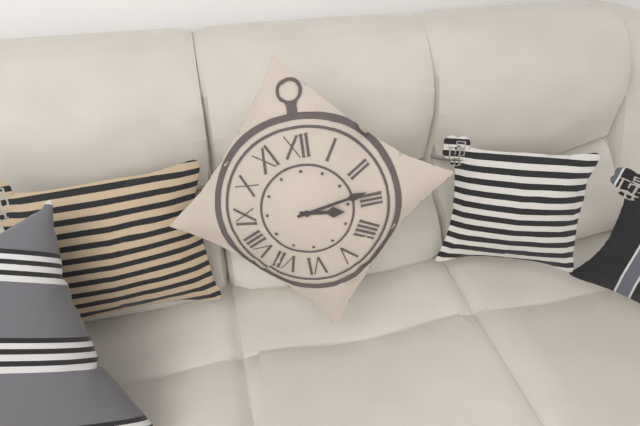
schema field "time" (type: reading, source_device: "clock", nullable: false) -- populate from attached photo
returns 3:13
